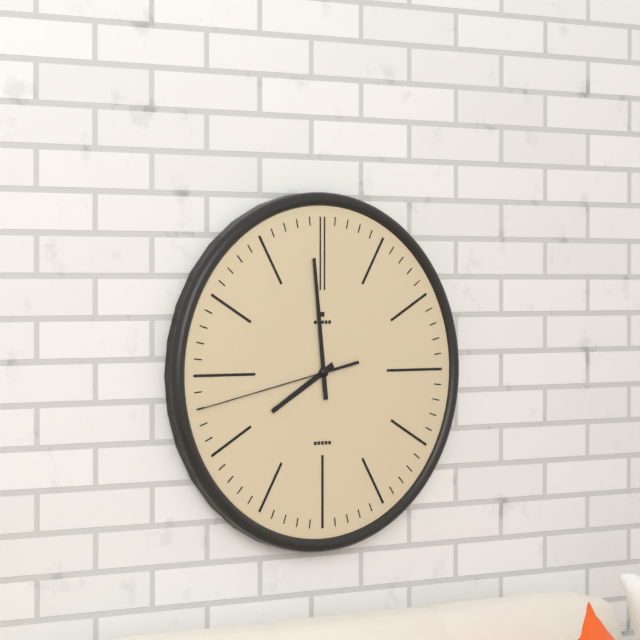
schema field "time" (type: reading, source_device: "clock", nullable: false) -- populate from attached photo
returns 7:59:43
